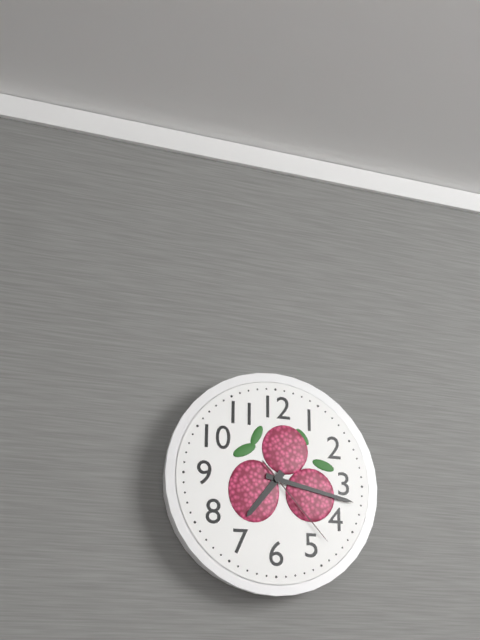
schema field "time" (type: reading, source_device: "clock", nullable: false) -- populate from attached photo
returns 7:17:23
